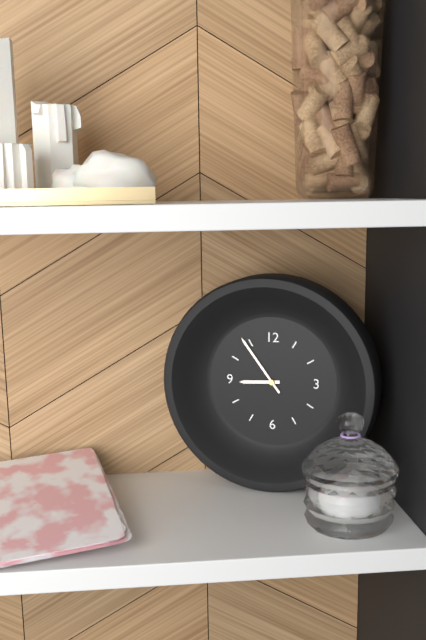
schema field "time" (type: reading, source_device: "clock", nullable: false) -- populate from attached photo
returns 8:54
